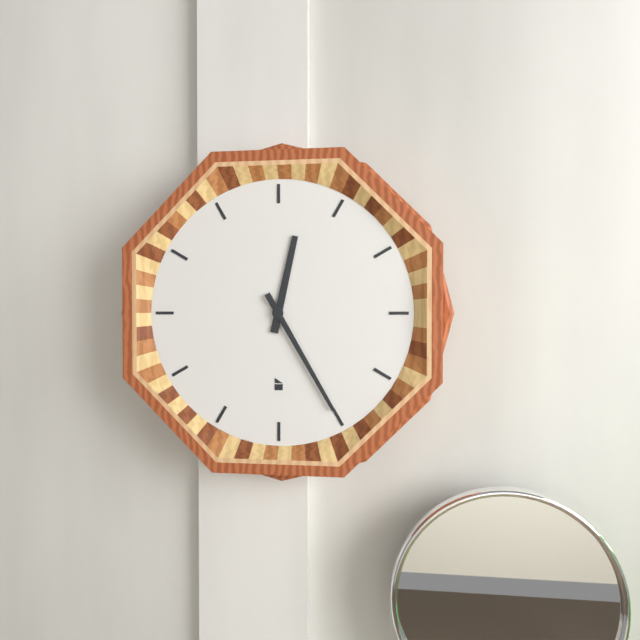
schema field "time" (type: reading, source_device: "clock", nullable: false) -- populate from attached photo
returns 12:25
